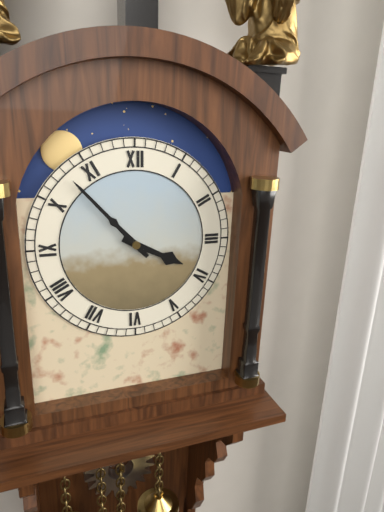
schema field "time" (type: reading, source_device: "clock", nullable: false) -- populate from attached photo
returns 3:53
